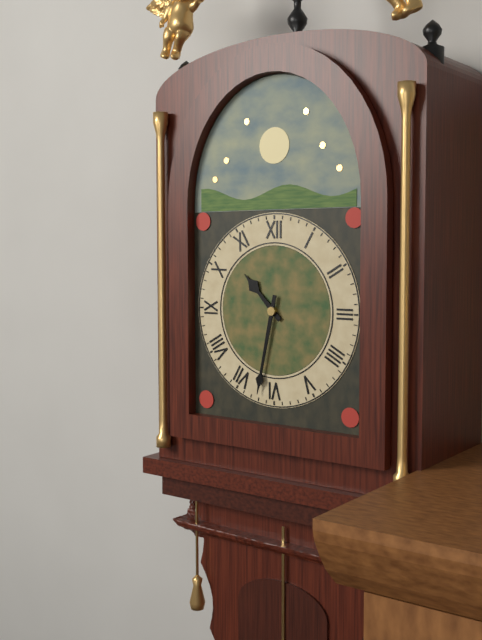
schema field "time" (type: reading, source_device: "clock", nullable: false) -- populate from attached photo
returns 10:32
